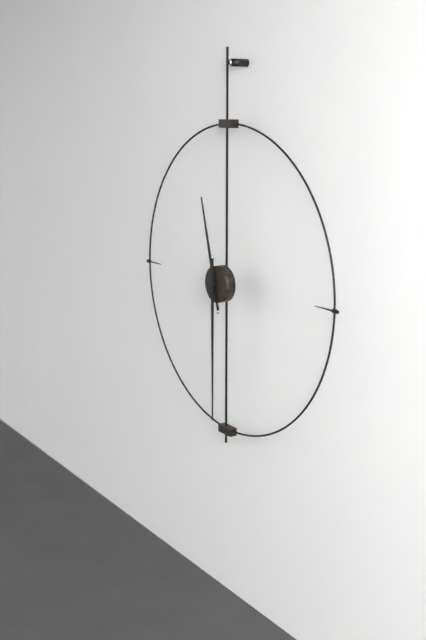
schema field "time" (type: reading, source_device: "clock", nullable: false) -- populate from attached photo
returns 11:30
